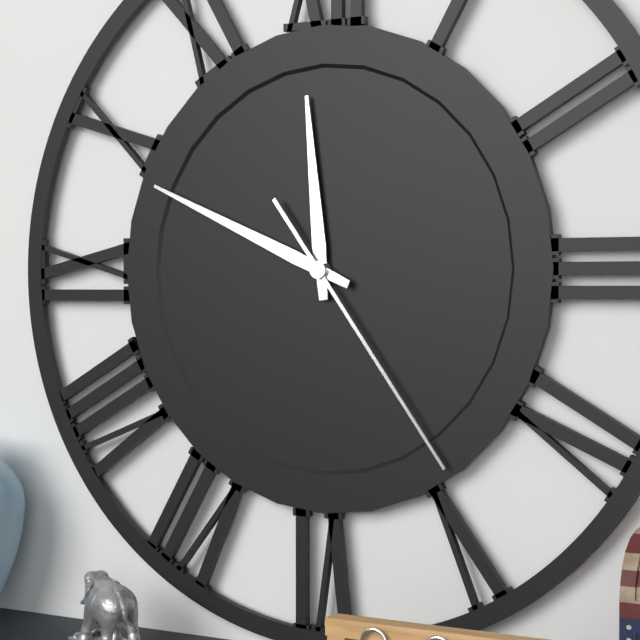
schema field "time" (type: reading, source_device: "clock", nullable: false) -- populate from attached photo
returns 11:49:24
